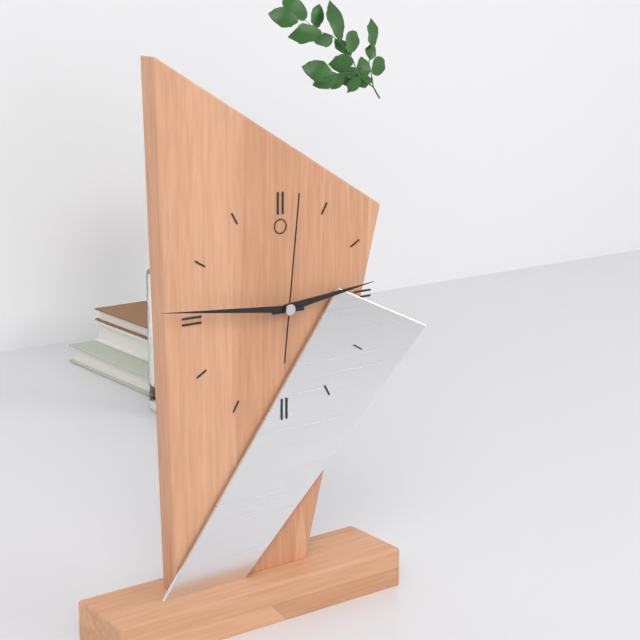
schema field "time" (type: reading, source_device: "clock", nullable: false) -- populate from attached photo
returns 2:46:01
